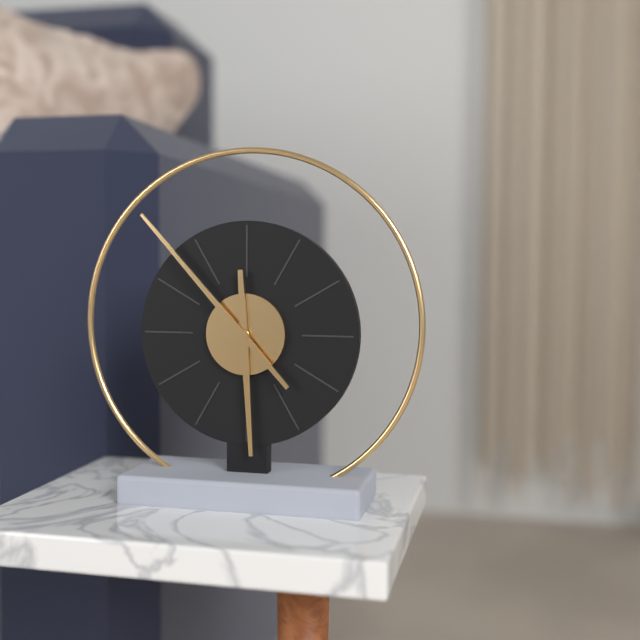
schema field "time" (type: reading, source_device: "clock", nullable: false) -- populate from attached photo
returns 5:53
